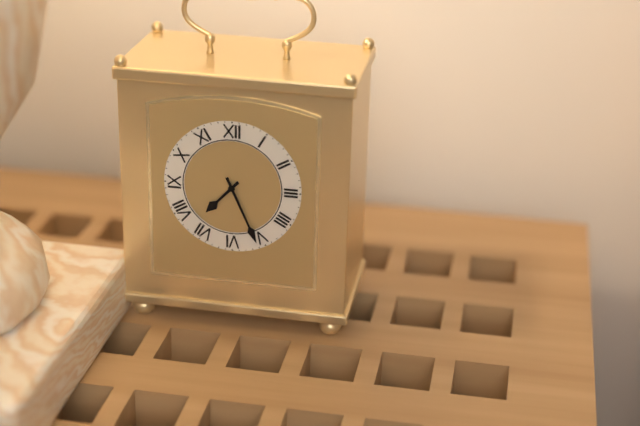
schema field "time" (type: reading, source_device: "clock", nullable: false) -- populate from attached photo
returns 7:26
